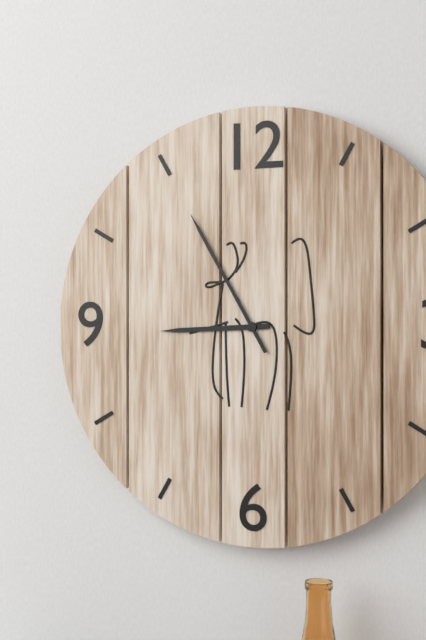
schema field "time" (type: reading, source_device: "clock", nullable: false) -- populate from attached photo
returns 8:55
